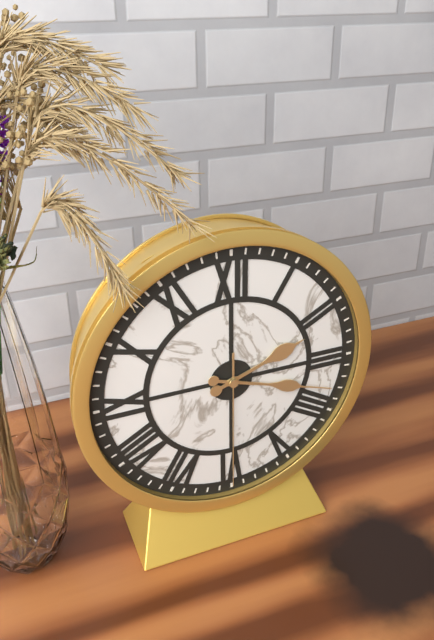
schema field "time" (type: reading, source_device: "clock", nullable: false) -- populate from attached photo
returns 2:18:30
